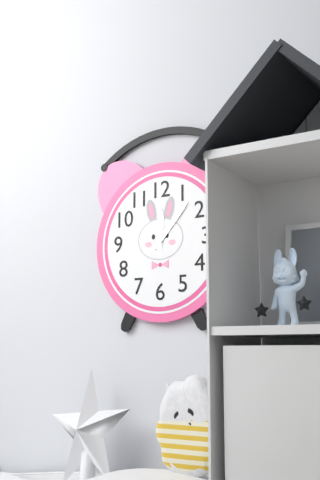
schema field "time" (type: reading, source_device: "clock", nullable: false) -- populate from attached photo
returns 12:07
